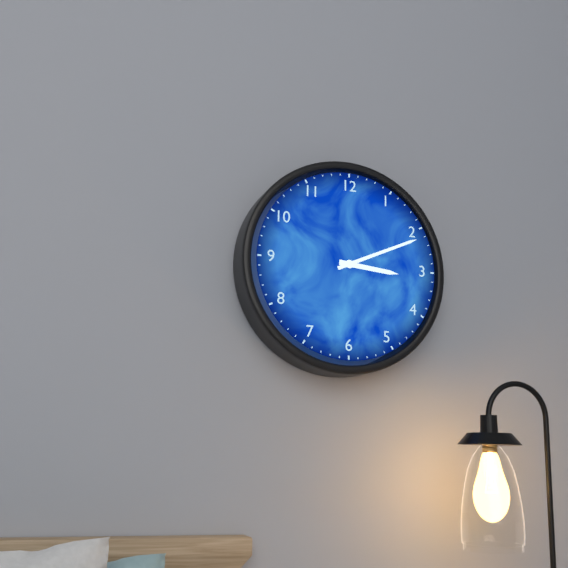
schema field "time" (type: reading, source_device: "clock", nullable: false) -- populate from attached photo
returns 3:11
